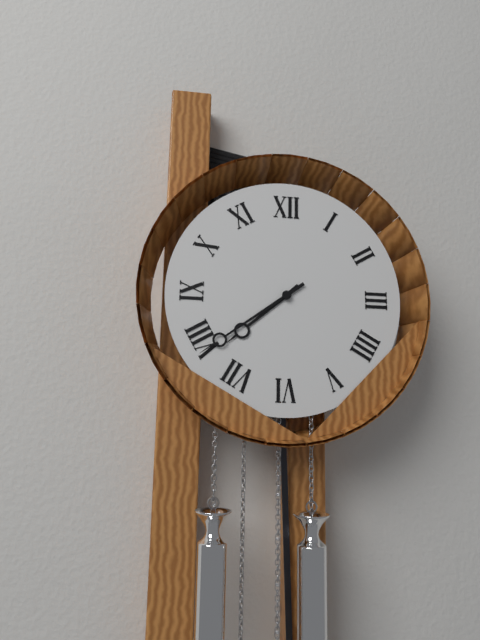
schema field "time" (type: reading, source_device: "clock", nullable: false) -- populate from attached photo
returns 7:39
